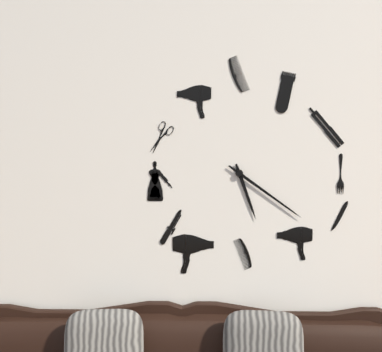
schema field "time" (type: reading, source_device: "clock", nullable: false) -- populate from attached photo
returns 5:21
